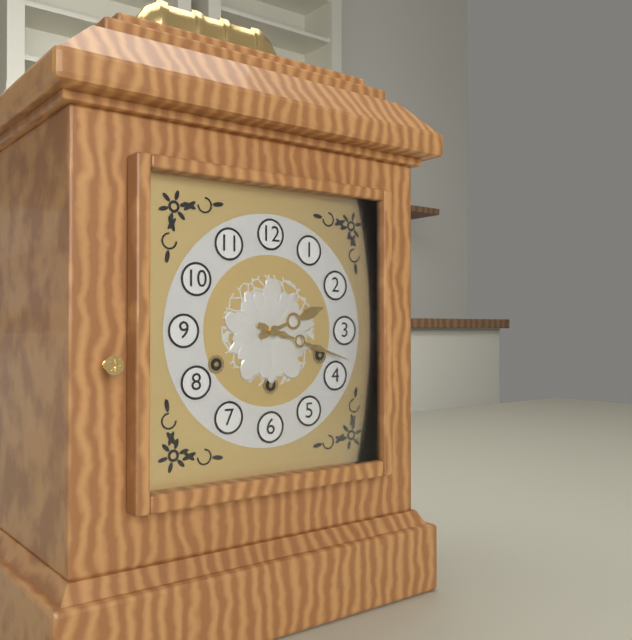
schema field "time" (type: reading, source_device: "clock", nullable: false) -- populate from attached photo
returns 2:18
